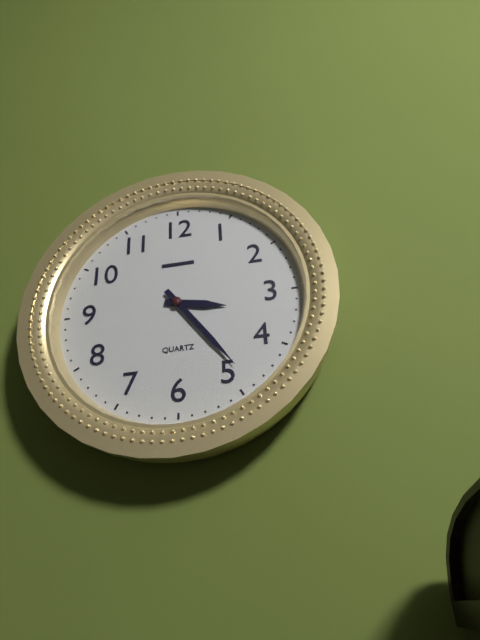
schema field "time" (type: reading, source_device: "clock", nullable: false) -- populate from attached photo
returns 3:24
